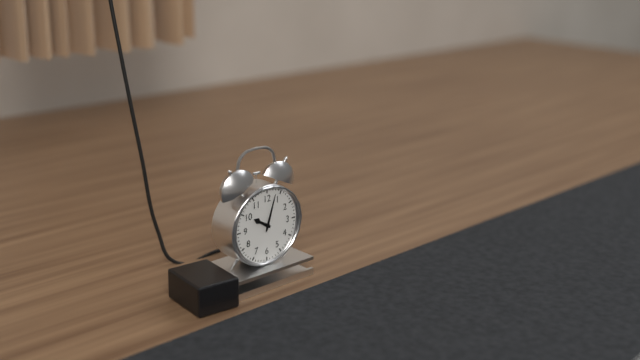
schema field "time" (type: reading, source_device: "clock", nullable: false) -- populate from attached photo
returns 10:03
